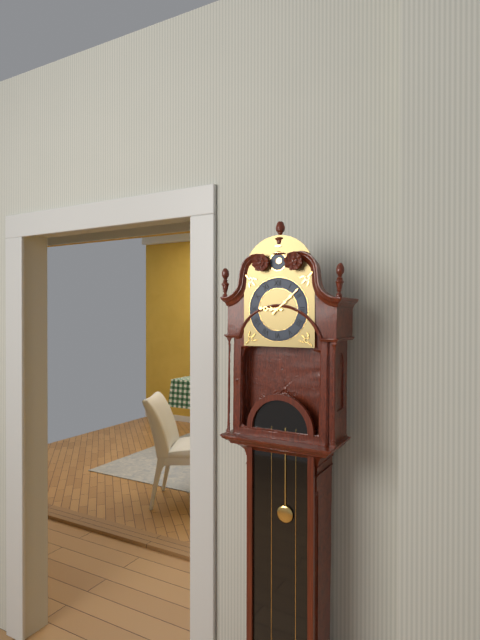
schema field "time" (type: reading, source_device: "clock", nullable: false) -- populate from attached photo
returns 9:08
